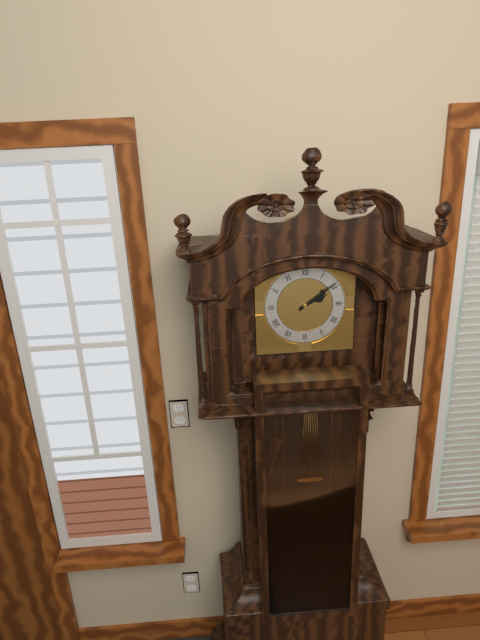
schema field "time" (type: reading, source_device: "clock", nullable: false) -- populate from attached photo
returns 2:09
